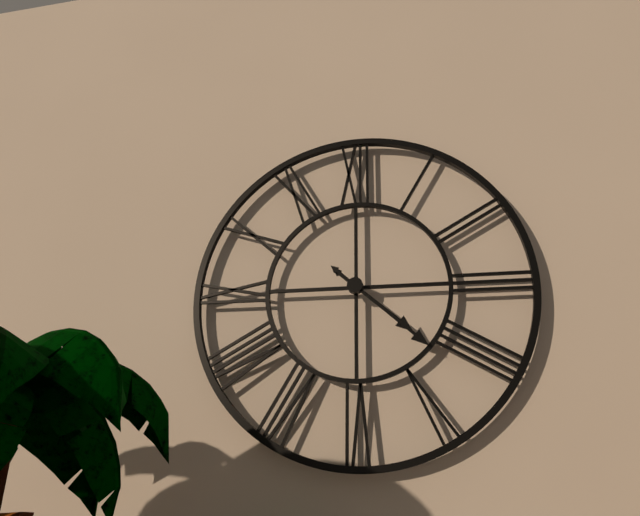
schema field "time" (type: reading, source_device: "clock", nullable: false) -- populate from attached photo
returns 4:22
